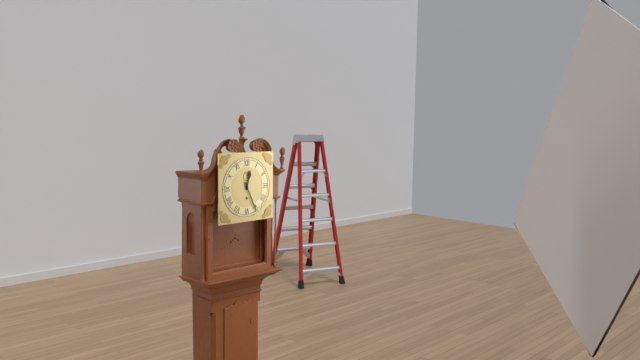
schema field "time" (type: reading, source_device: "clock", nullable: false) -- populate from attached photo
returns 12:26
